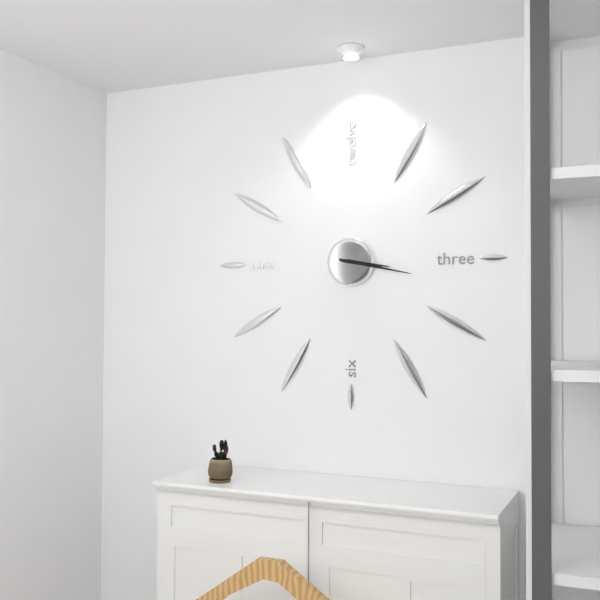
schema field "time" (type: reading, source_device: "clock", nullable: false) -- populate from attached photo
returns 3:17
